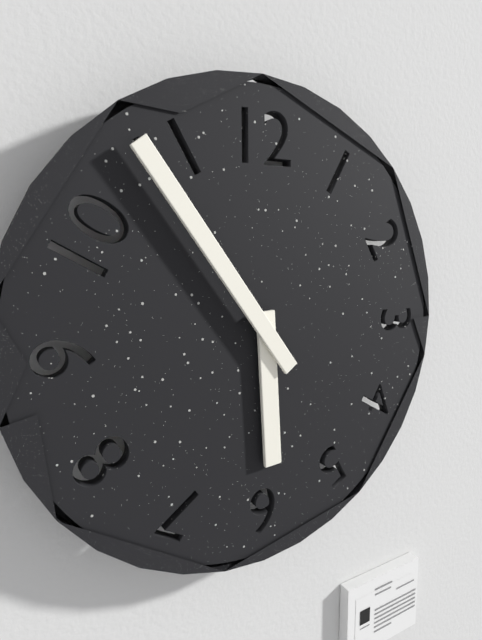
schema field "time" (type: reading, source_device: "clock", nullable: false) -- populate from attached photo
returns 5:54
